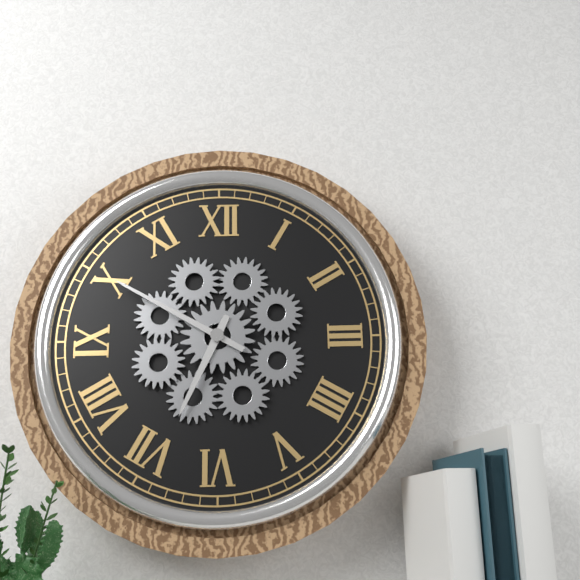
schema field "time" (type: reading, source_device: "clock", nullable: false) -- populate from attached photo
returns 6:50
